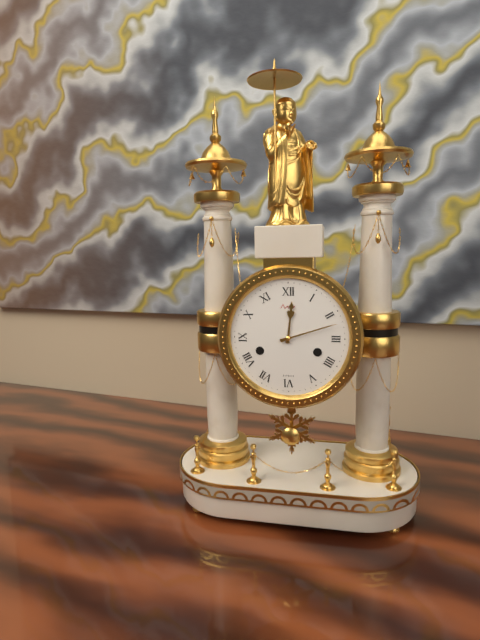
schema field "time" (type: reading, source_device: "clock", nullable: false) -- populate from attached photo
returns 12:12
